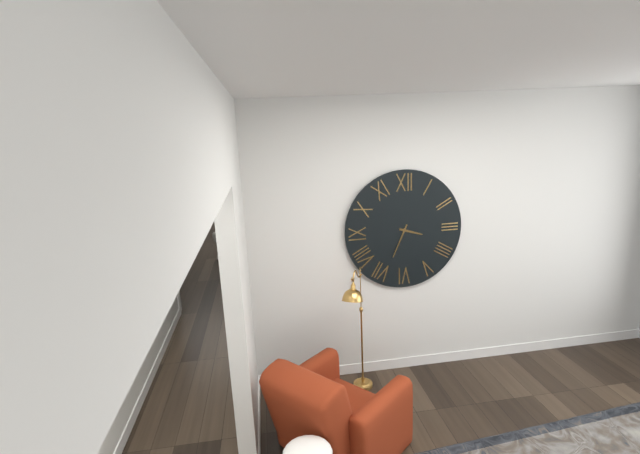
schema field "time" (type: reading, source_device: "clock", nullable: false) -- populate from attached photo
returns 3:34
